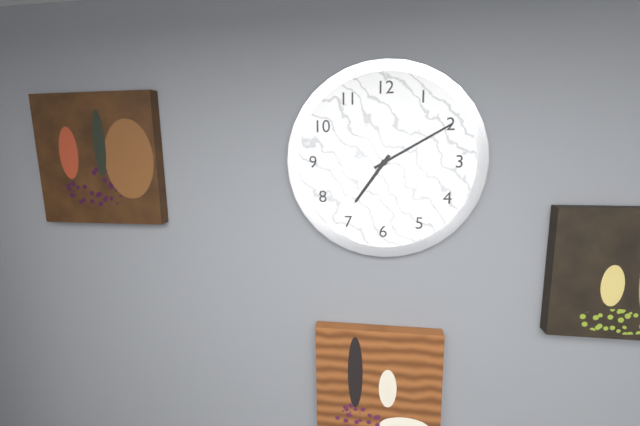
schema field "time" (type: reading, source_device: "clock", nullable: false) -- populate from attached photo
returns 7:10
